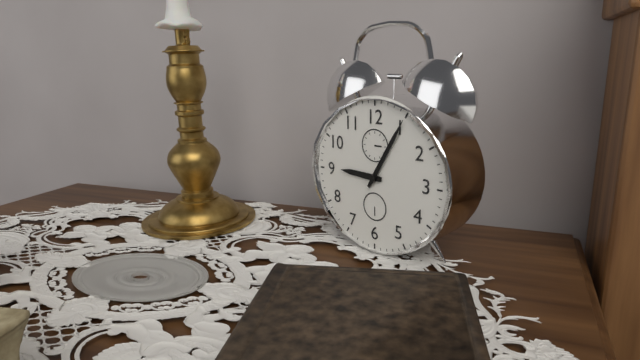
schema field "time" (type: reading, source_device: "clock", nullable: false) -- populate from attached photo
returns 9:05
